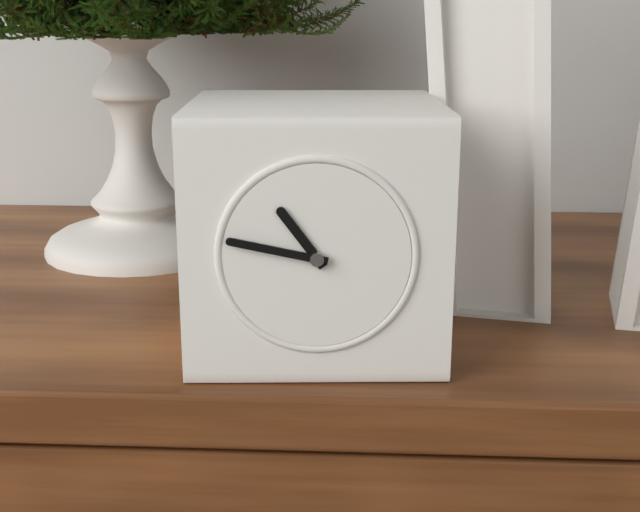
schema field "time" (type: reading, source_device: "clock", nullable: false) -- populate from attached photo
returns 10:47
